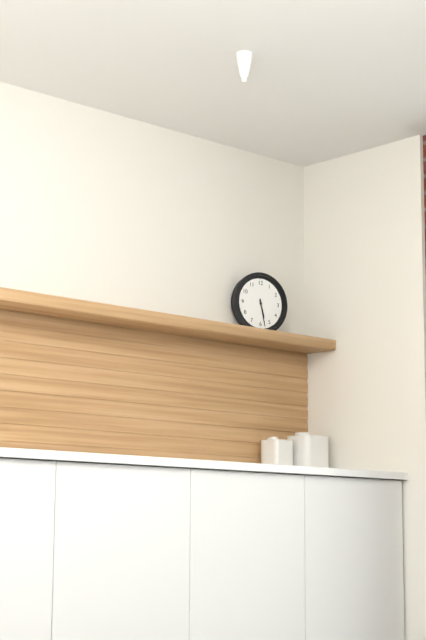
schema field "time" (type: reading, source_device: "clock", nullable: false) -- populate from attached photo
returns 5:28
